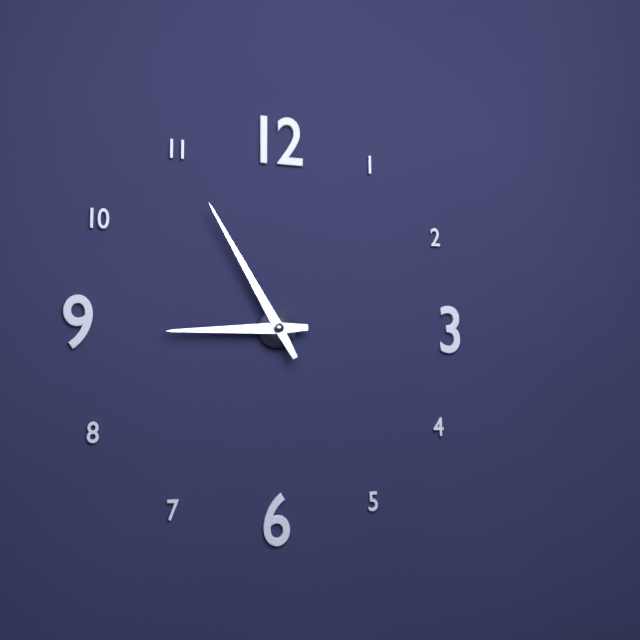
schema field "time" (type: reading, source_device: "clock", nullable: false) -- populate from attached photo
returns 8:55
